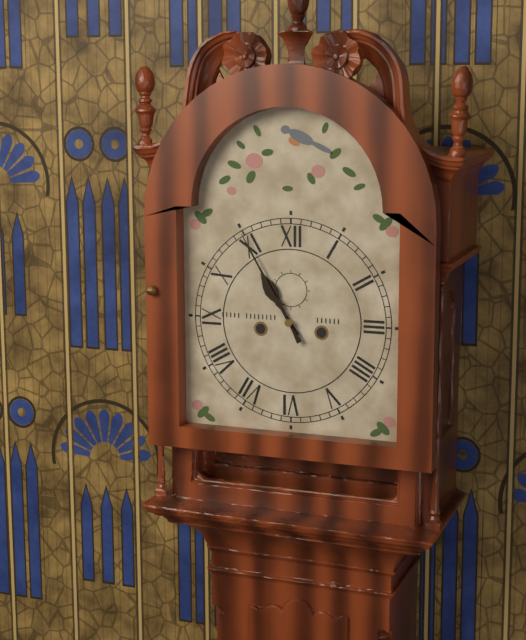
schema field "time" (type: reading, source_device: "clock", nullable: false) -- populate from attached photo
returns 10:55
